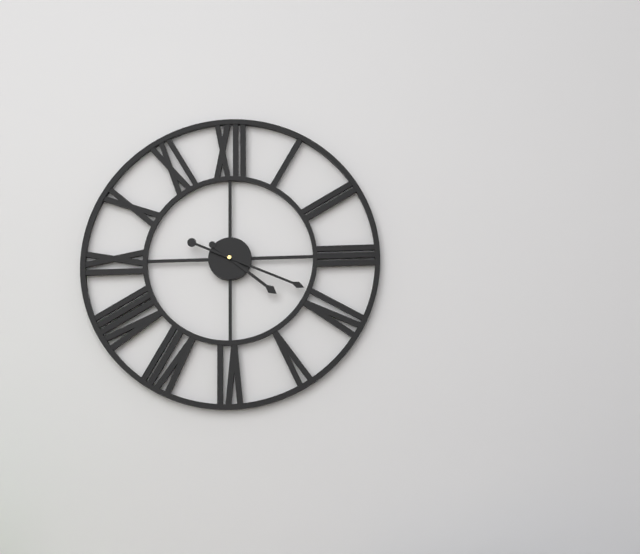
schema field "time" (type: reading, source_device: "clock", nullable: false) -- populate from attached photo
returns 4:19
